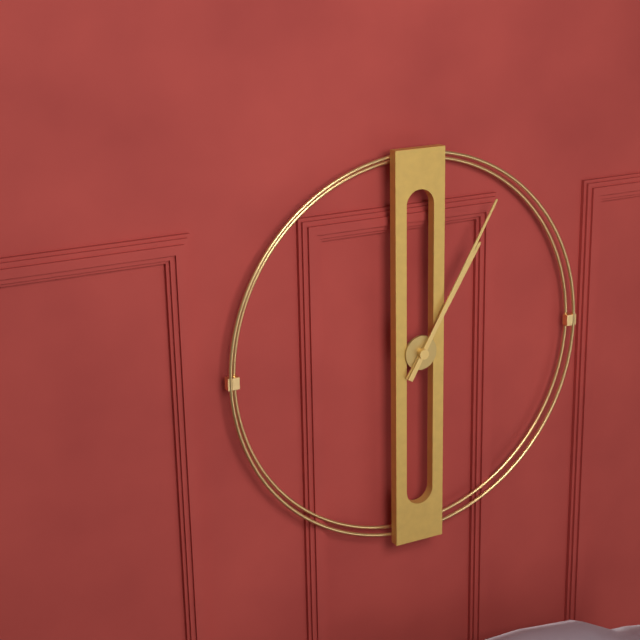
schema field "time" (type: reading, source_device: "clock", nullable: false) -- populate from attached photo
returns 1:05
